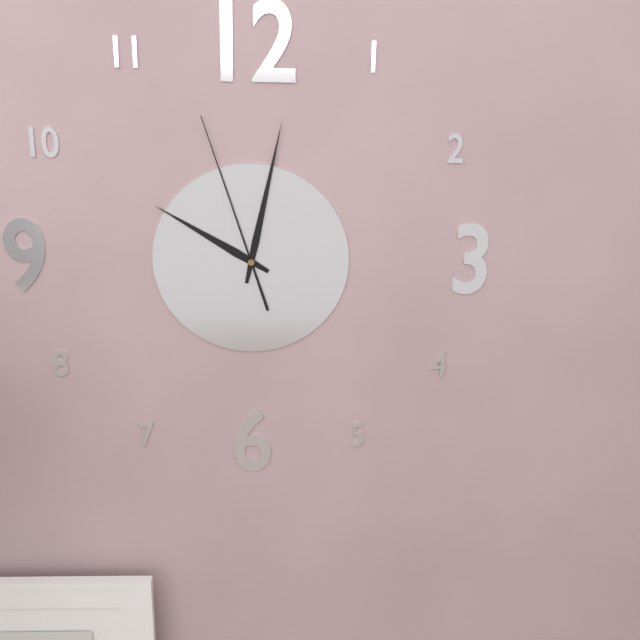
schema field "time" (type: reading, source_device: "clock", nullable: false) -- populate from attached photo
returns 10:02:57
